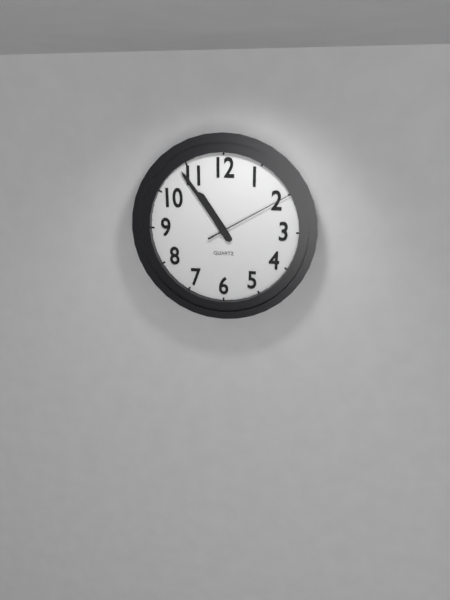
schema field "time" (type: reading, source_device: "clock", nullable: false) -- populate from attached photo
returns 10:54:10
